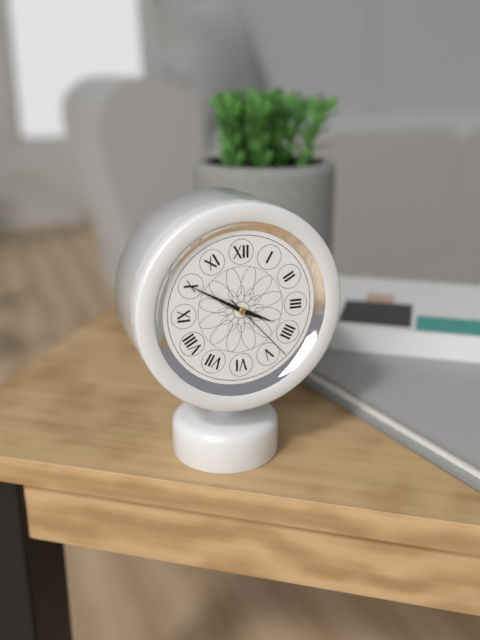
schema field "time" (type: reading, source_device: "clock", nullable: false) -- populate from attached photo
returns 3:50:23
